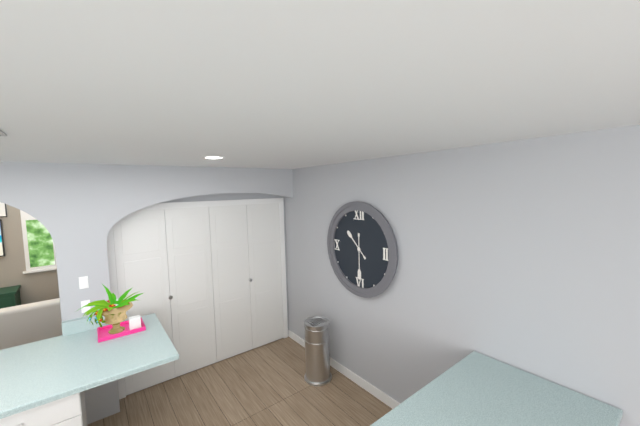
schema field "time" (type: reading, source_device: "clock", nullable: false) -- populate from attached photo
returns 10:30
